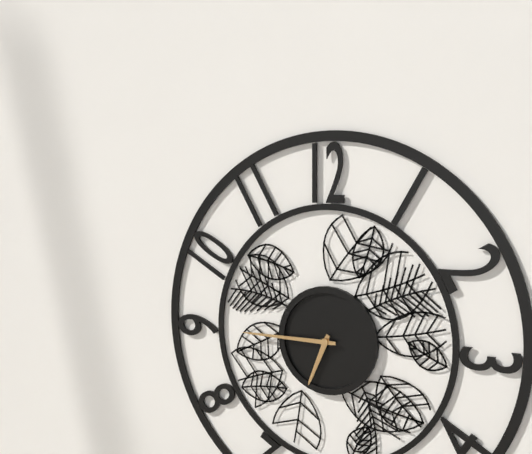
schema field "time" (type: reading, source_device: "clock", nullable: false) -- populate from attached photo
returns 6:45
